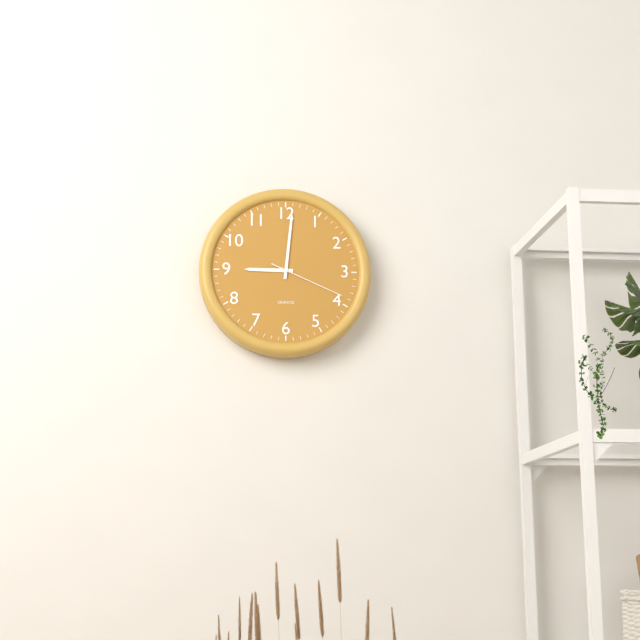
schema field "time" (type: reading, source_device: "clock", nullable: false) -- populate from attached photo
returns 9:01:19
